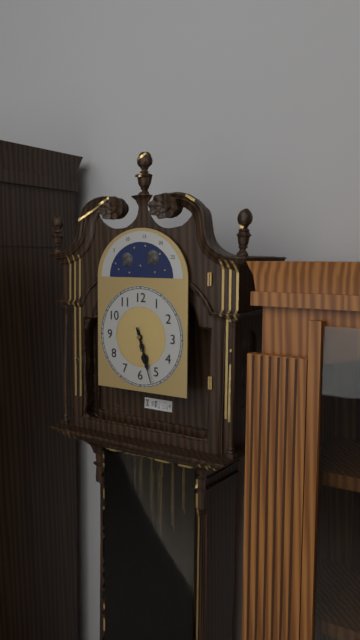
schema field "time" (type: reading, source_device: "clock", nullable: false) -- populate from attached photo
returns 5:27
